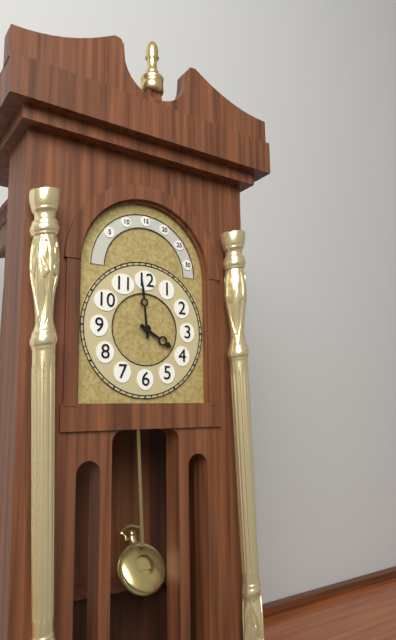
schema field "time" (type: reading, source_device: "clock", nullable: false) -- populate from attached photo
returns 3:59
